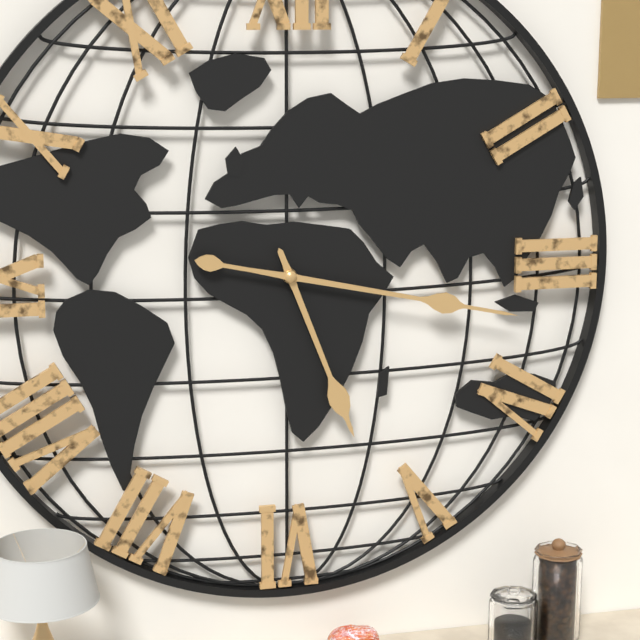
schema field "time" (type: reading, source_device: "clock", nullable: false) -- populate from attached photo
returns 5:17
